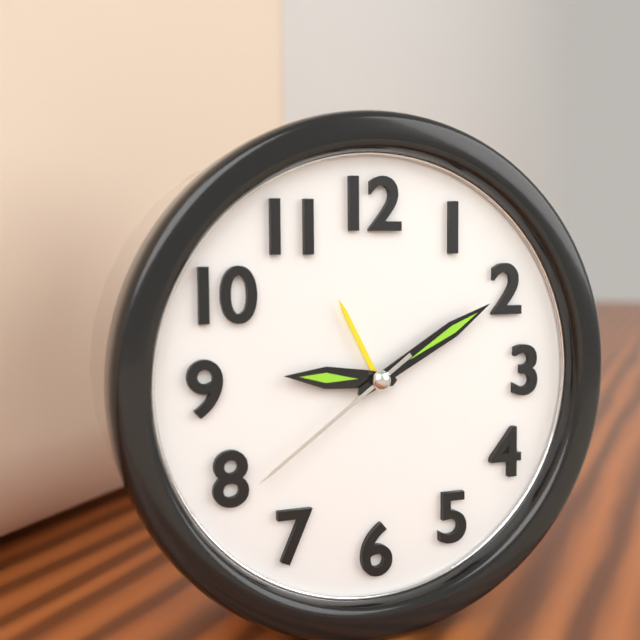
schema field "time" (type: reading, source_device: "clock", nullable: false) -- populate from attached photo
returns 9:10:39
